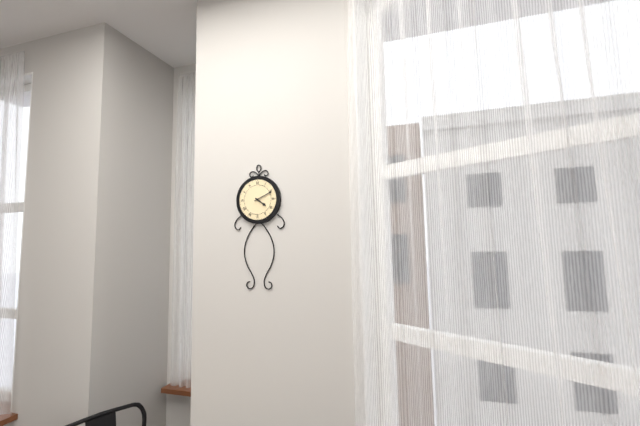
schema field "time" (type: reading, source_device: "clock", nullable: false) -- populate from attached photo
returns 4:11
